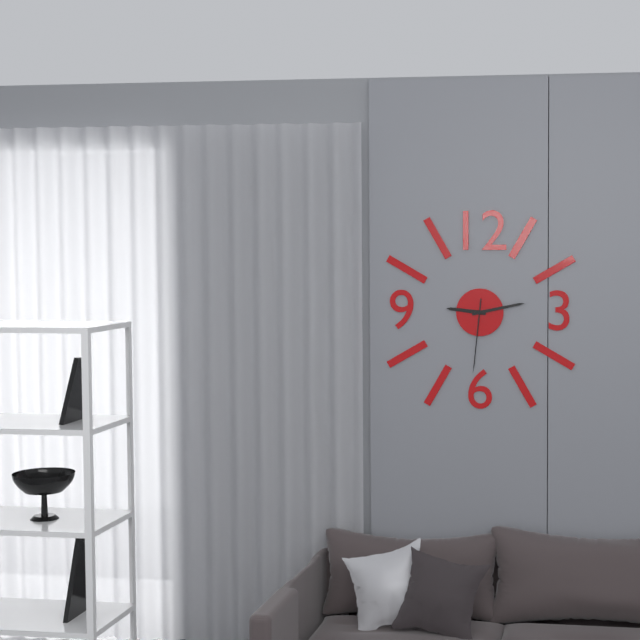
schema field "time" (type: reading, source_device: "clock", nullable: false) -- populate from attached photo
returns 9:13:31
